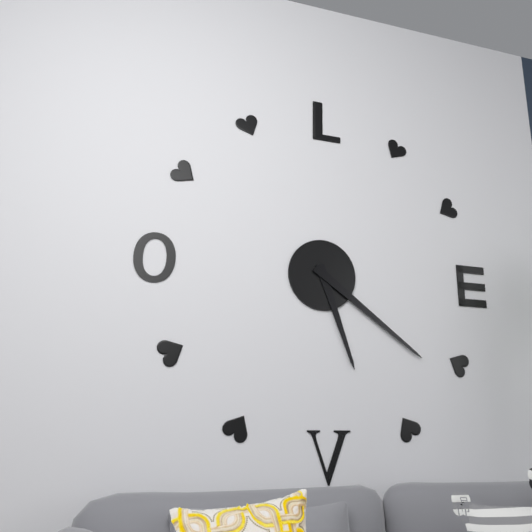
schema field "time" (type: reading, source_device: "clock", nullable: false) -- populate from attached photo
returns 5:21
